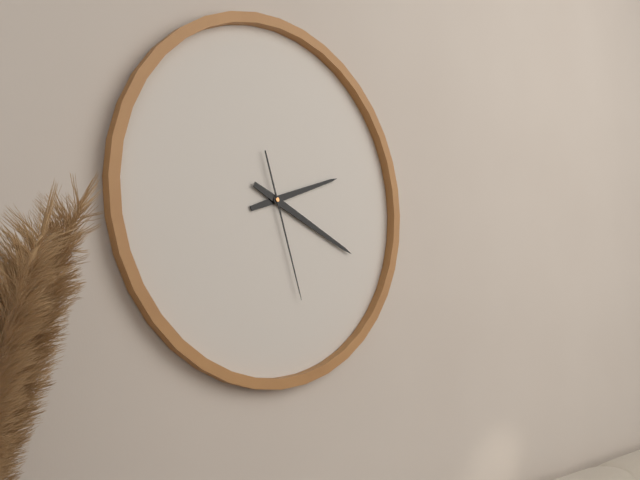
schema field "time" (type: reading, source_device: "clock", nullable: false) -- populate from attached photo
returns 2:19:27
